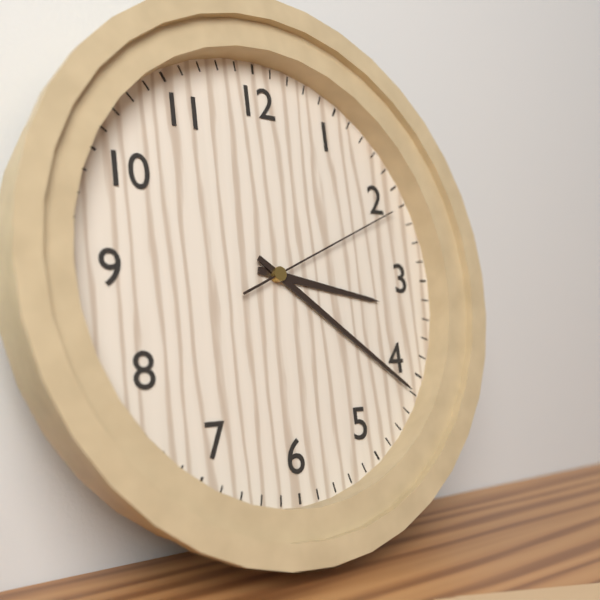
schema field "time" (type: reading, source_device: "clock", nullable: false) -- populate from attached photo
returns 3:21:11
